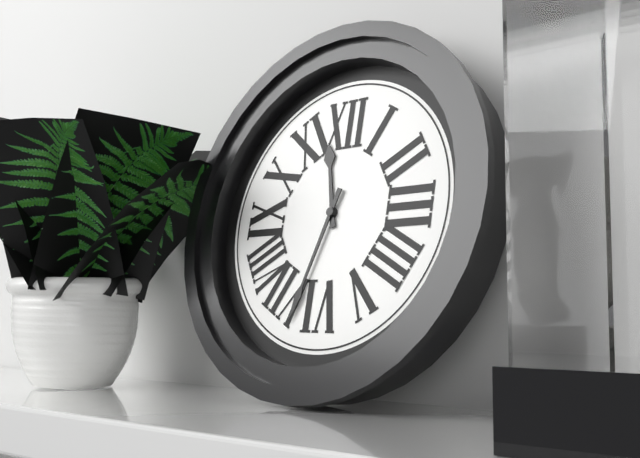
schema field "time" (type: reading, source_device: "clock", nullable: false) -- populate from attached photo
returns 11:33
